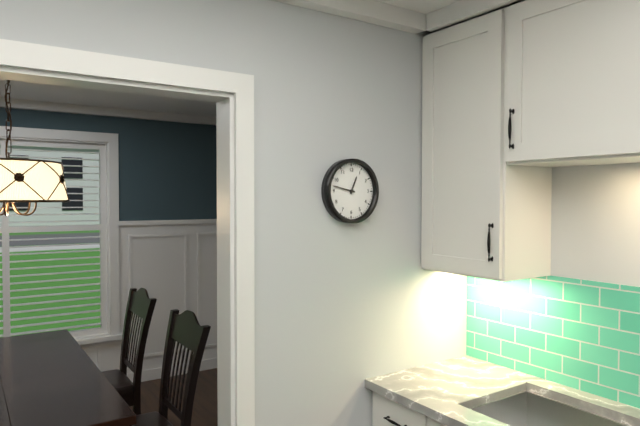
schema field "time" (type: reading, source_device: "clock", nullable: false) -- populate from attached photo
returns 12:47
